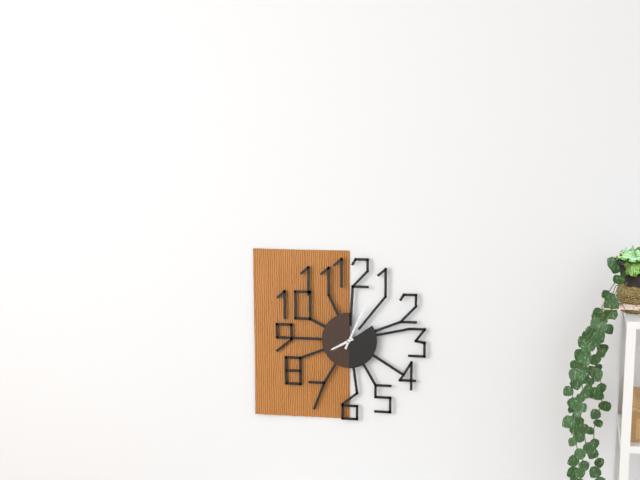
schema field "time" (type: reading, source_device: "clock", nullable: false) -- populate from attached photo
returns 8:04
